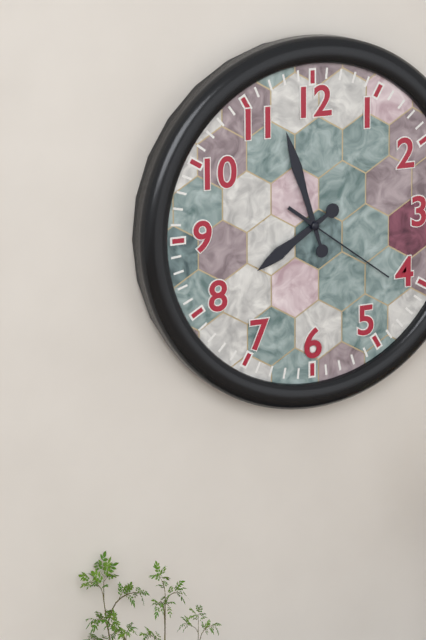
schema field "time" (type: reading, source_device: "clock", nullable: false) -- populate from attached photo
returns 7:57:21
